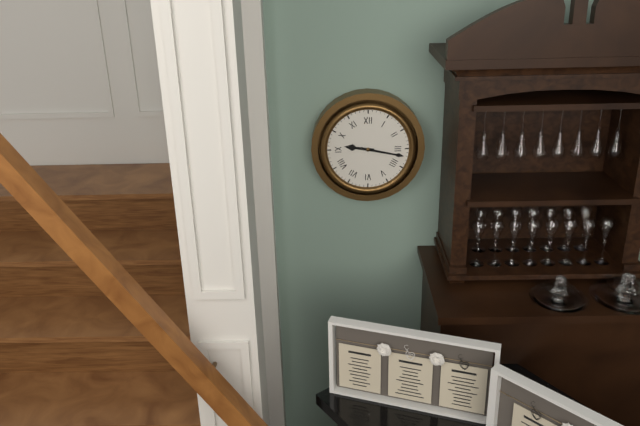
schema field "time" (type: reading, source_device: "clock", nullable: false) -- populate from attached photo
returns 9:17
